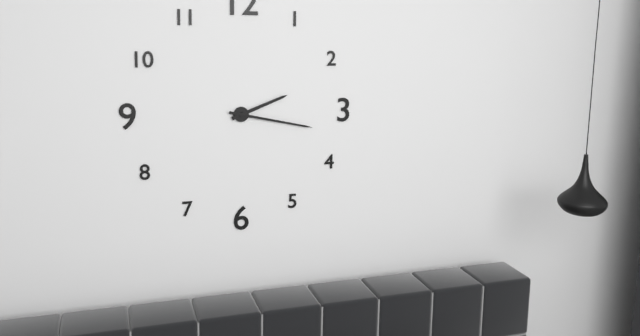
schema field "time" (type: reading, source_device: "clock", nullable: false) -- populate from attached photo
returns 2:17
